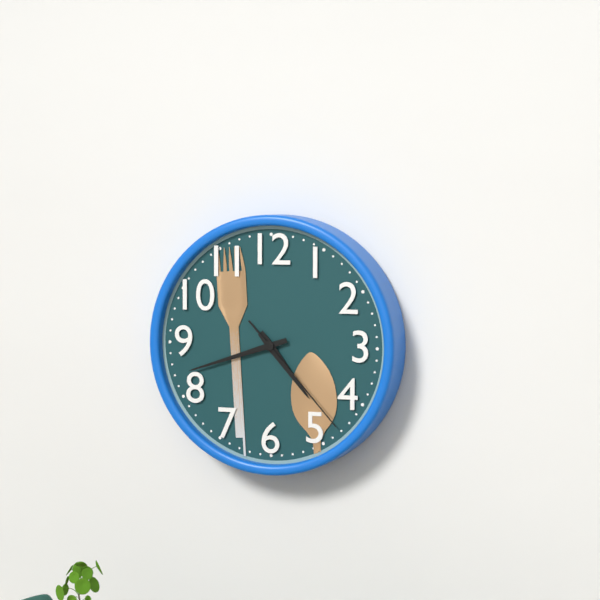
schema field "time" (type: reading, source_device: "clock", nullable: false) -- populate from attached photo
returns 4:42:23
